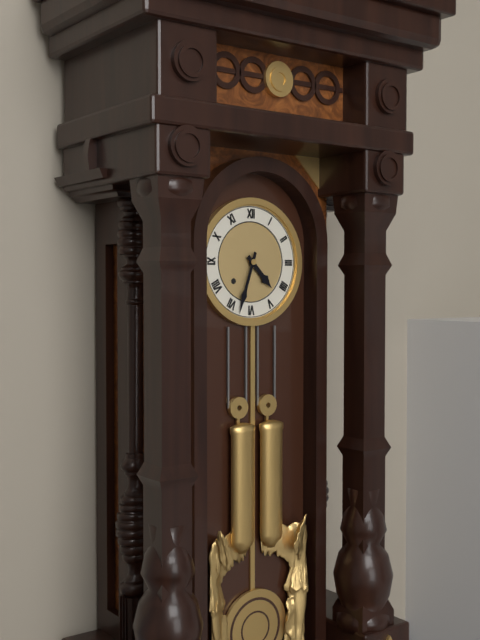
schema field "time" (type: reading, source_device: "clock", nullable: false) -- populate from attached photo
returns 4:33
